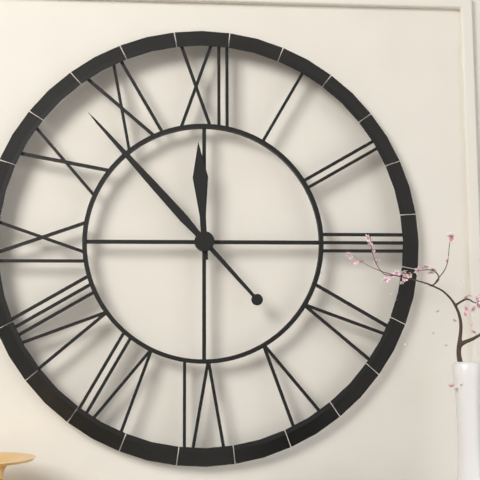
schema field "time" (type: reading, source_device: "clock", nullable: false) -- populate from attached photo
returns 11:53
